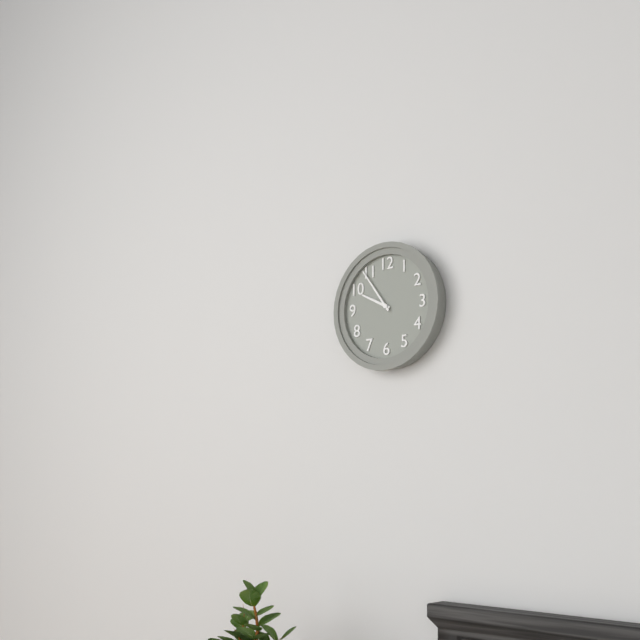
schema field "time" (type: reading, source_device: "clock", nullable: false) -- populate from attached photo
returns 9:54
